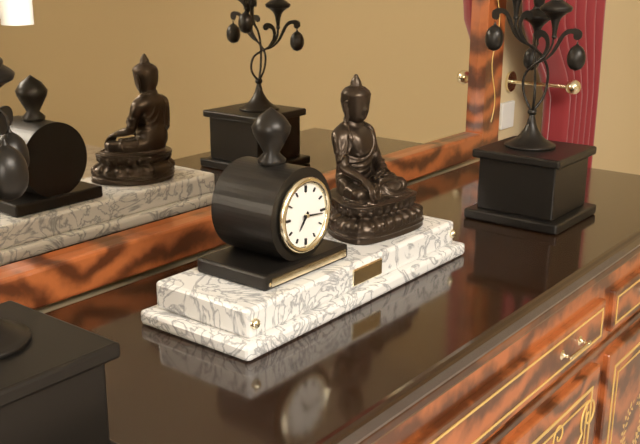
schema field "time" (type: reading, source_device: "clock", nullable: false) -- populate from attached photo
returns 7:16
